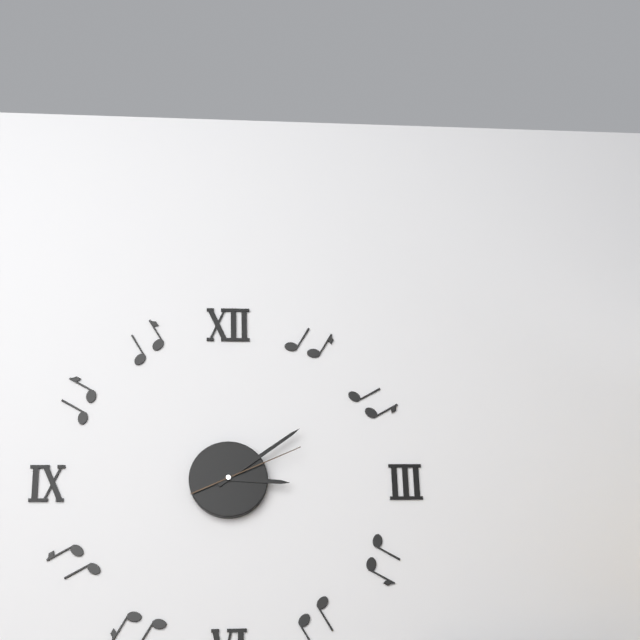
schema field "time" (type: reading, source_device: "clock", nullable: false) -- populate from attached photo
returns 3:09:11
